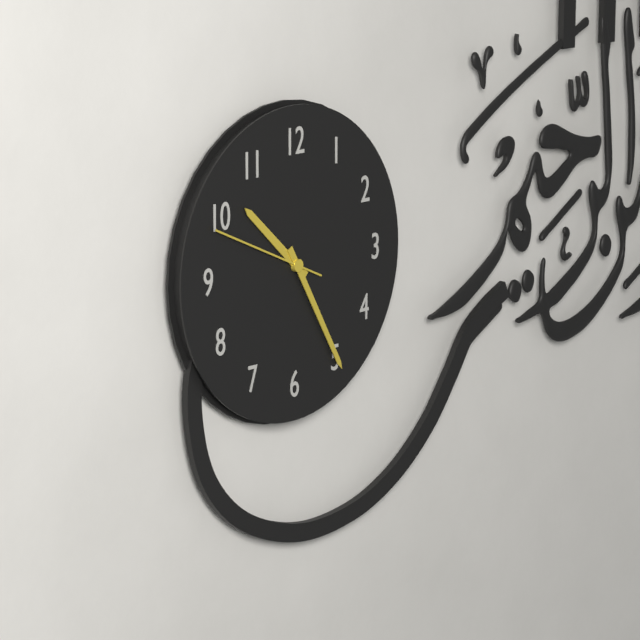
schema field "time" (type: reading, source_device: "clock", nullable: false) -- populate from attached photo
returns 10:25:49
